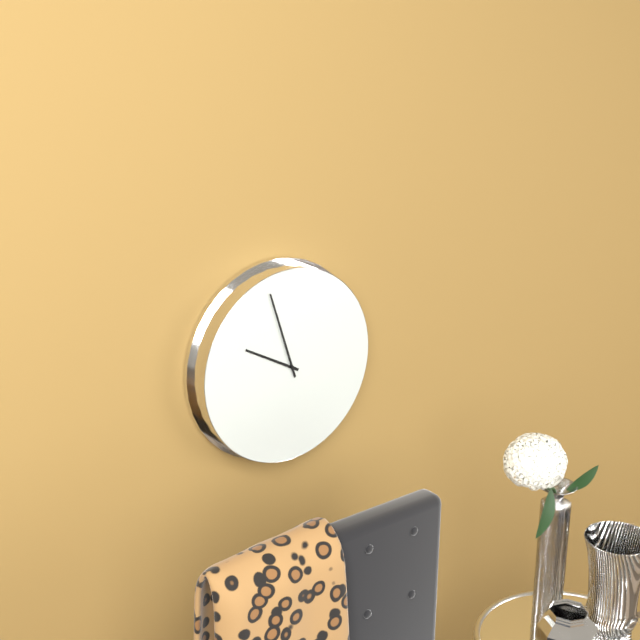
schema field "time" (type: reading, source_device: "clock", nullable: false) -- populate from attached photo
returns 9:57
